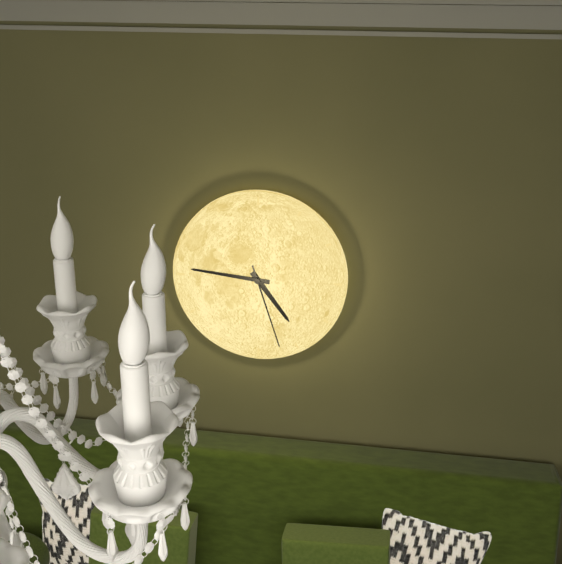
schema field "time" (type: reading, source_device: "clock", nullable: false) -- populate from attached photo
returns 4:46:27
